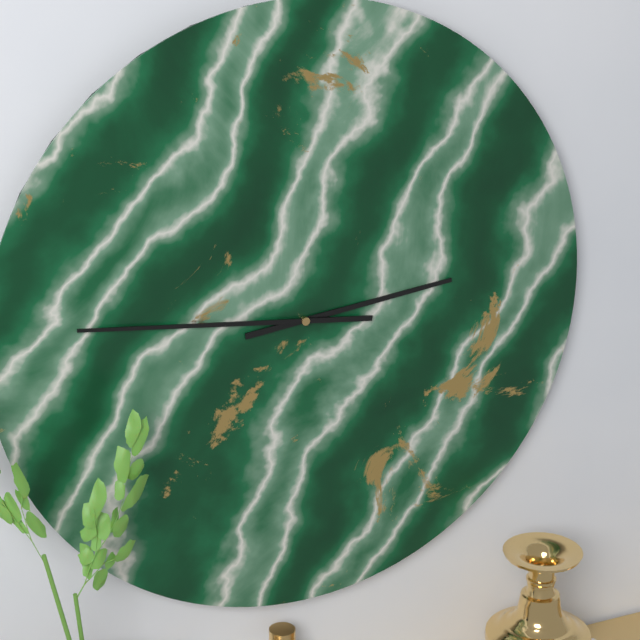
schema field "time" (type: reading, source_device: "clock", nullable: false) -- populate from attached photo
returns 2:46
